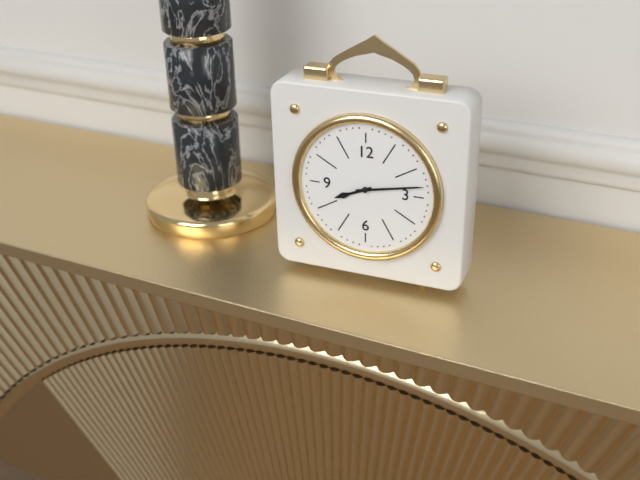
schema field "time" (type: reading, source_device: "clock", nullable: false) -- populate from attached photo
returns 8:13
